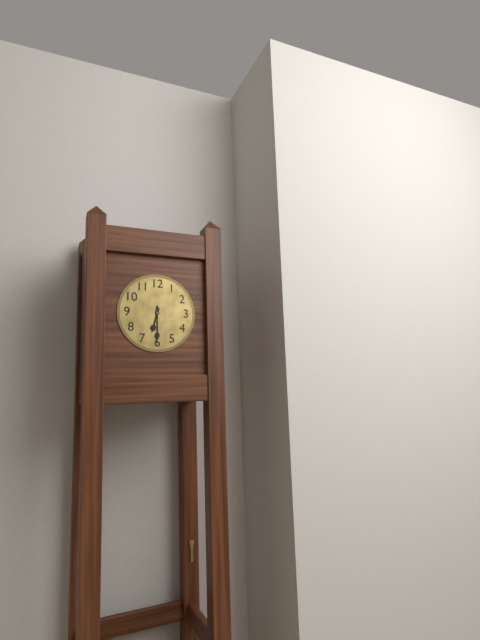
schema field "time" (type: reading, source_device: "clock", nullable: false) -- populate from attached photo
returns 6:30
